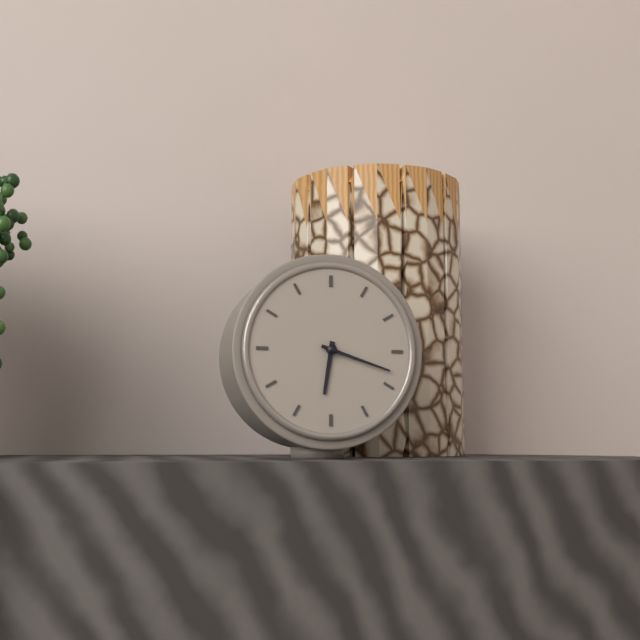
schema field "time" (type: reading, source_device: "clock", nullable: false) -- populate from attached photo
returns 6:18
